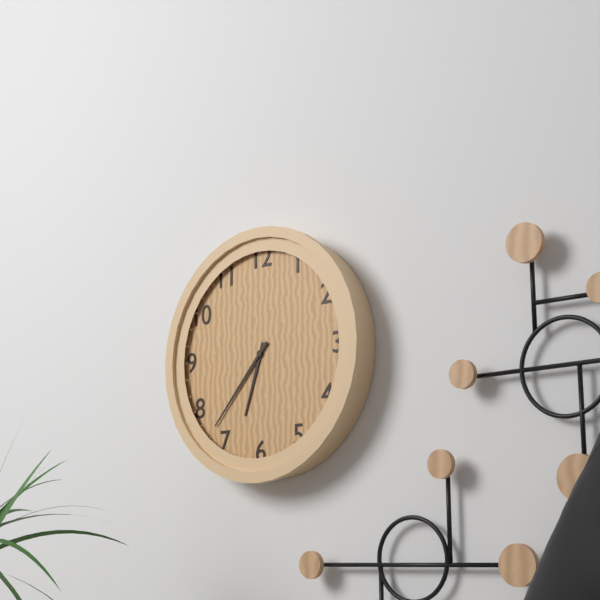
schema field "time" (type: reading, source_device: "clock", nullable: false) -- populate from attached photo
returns 6:37
